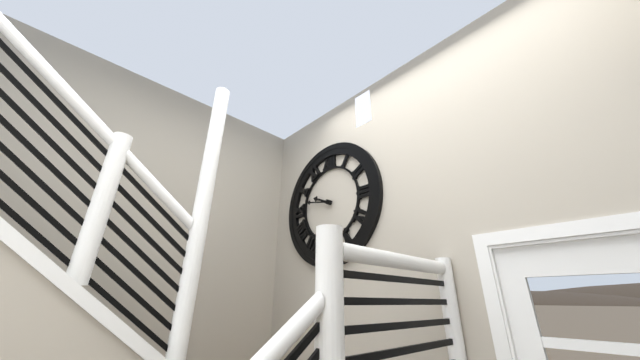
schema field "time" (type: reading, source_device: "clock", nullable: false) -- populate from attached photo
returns 9:47
